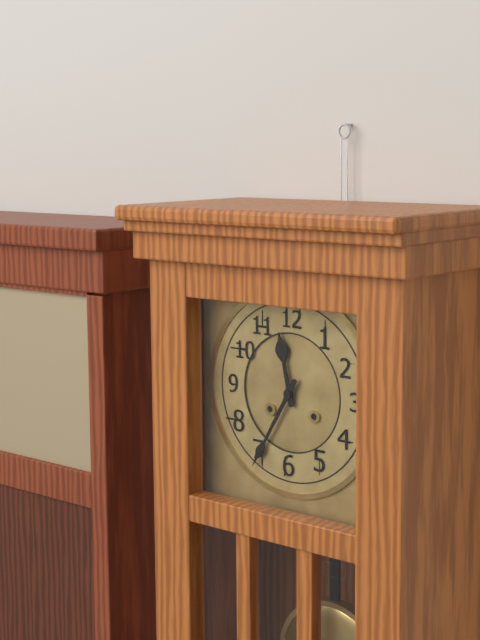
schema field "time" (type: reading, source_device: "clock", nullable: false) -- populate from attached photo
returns 11:35
